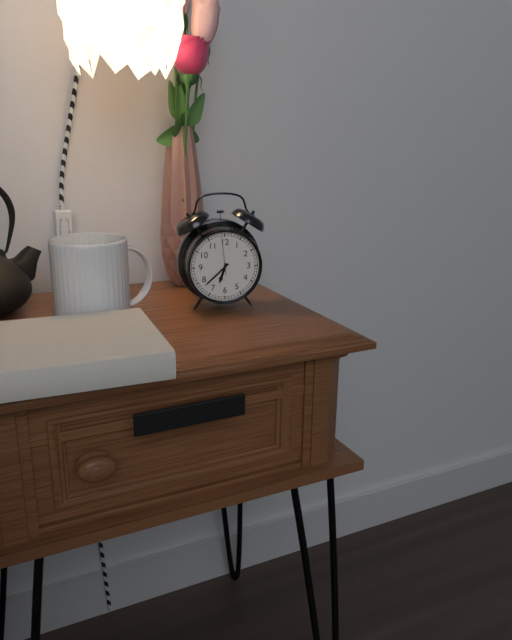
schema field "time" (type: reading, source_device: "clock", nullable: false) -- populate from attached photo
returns 6:38
